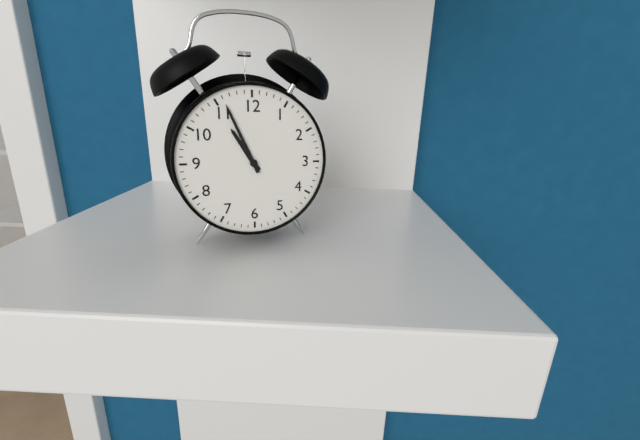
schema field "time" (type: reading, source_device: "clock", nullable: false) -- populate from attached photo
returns 10:56
